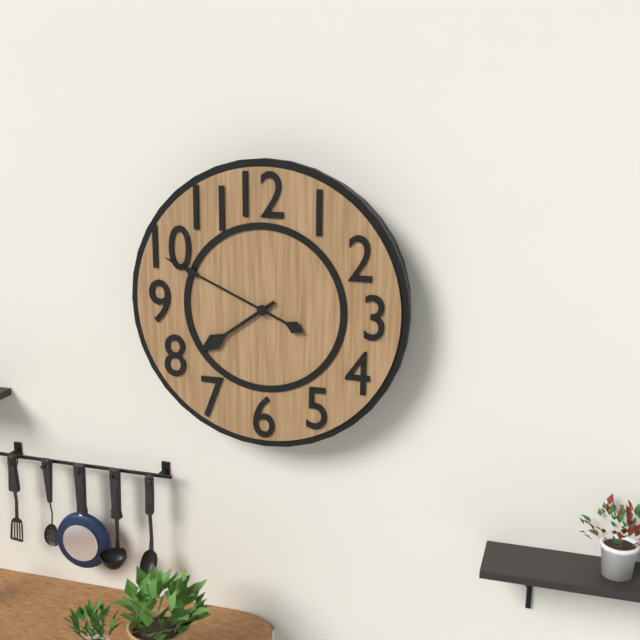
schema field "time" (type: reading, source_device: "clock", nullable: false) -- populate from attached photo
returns 7:49
